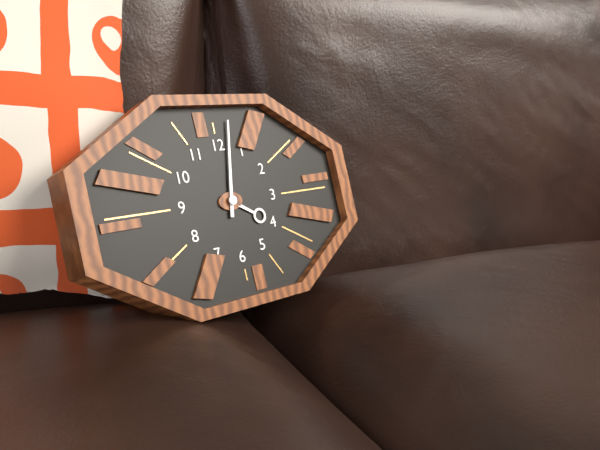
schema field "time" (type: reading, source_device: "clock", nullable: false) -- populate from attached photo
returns 4:02
